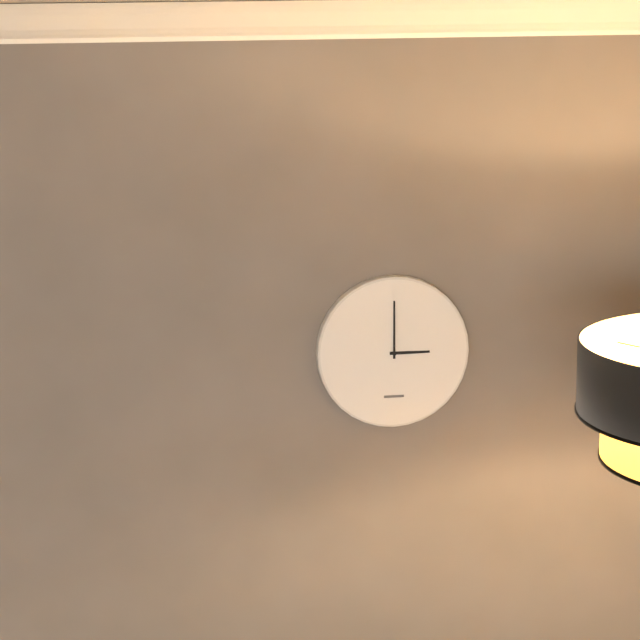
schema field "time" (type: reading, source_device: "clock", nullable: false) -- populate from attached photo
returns 3:00
